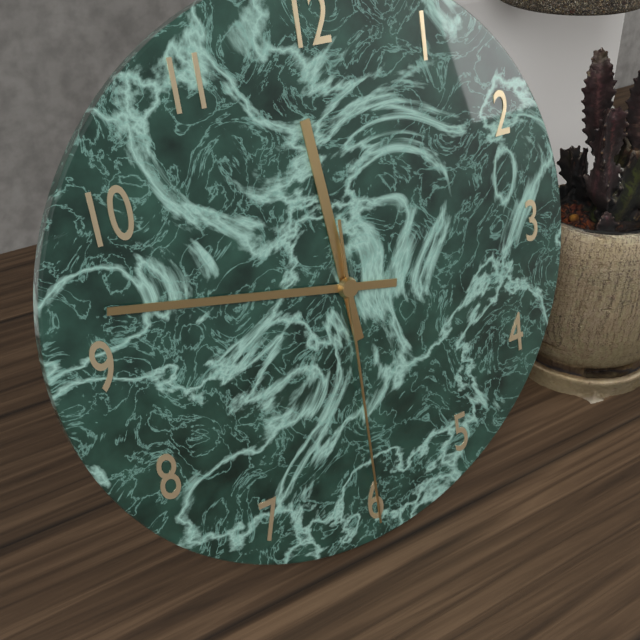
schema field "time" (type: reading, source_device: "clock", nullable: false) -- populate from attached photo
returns 11:47:30
